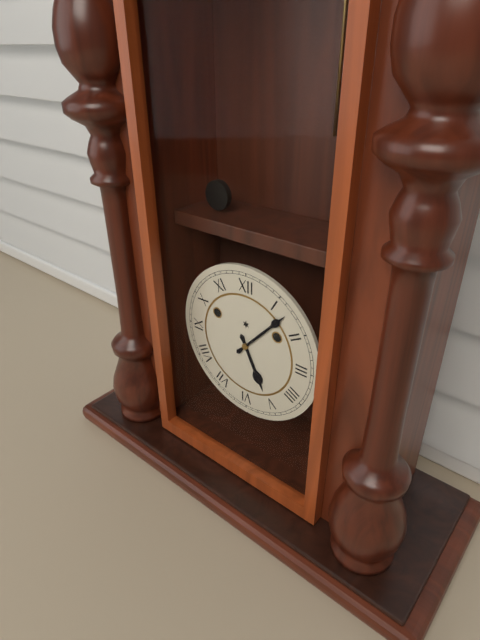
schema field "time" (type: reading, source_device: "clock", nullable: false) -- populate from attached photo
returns 5:07
